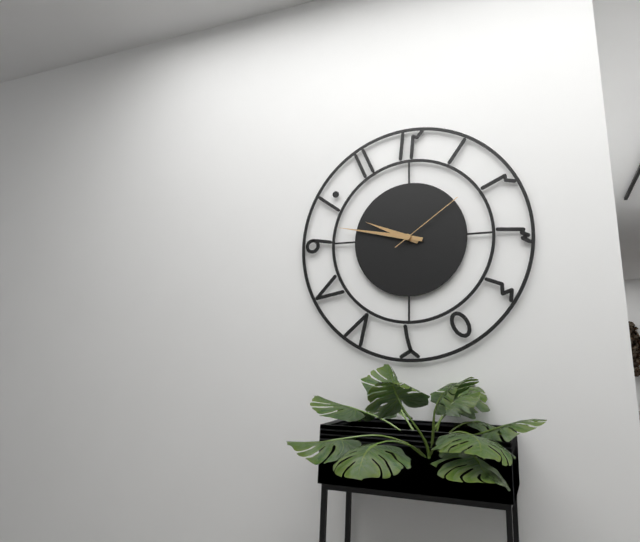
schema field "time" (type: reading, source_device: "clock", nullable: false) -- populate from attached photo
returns 9:47:09
